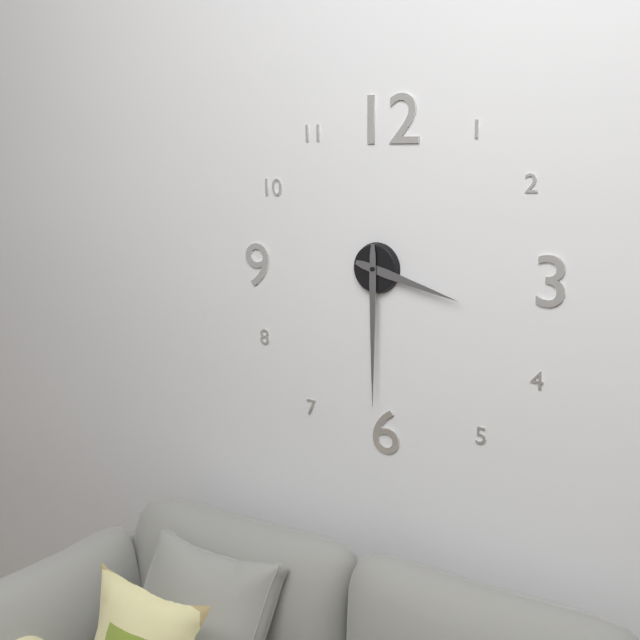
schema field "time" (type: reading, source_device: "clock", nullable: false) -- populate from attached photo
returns 3:30
